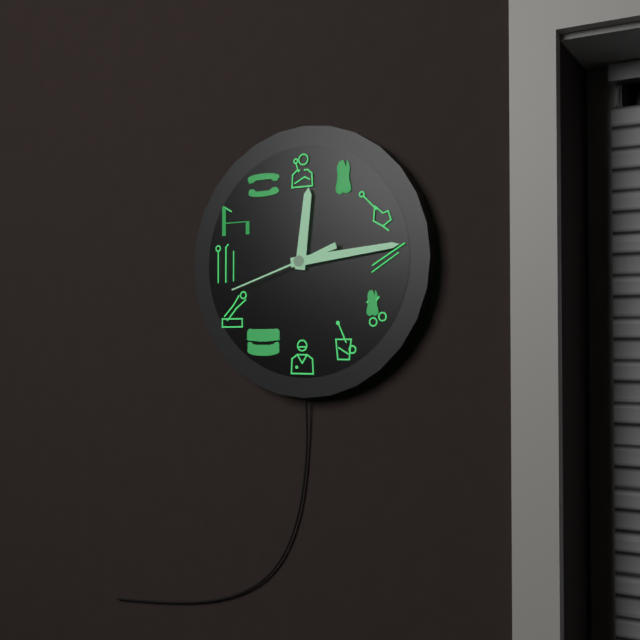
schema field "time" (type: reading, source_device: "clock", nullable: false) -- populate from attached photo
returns 12:14:42
